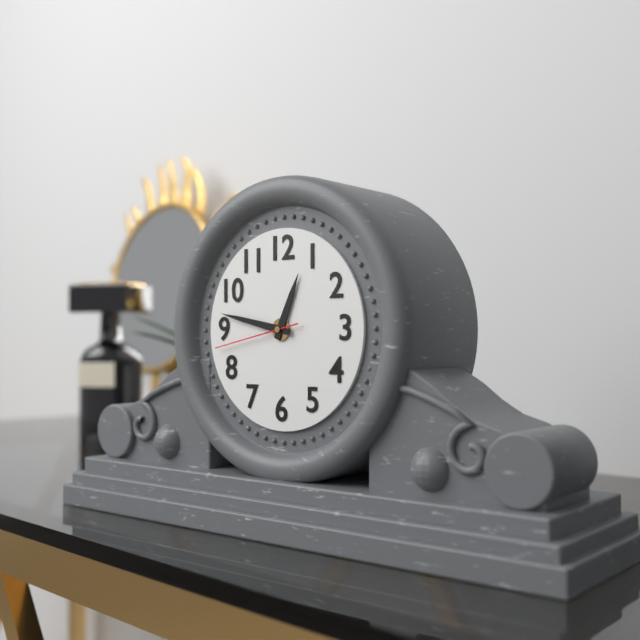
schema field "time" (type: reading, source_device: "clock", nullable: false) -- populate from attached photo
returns 12:47:43
